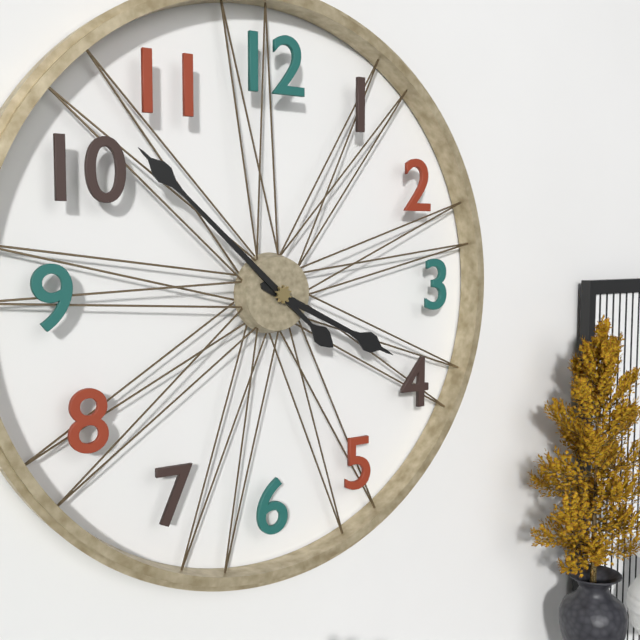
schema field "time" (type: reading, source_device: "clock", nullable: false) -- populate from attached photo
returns 3:52
